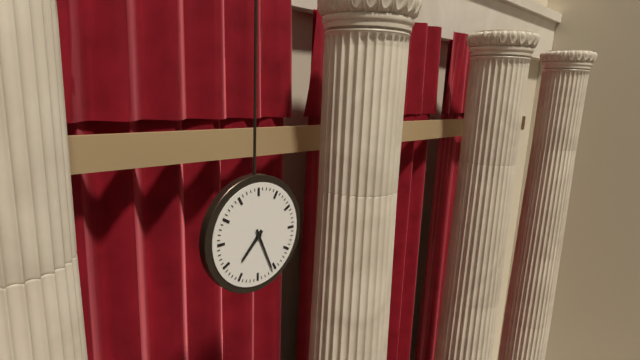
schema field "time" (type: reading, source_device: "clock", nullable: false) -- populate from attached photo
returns 7:26
